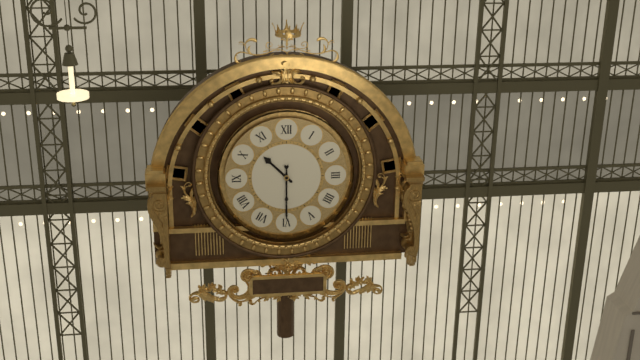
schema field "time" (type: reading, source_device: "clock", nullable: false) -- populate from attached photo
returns 10:30
